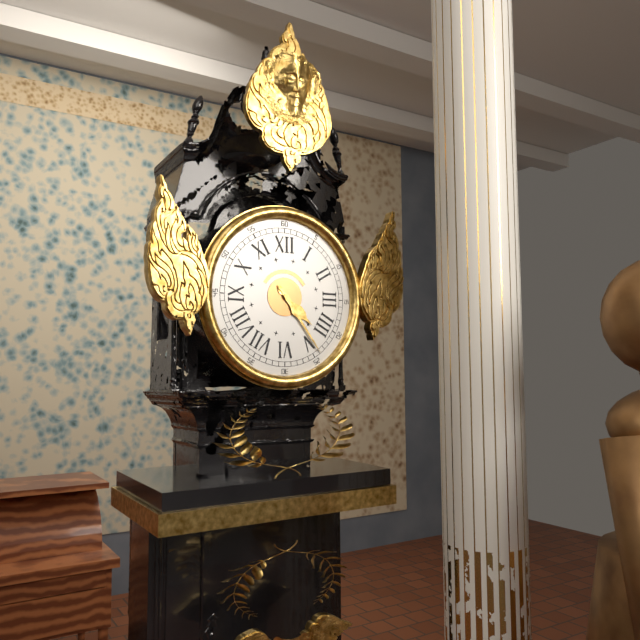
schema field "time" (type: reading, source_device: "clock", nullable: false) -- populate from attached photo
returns 4:24
